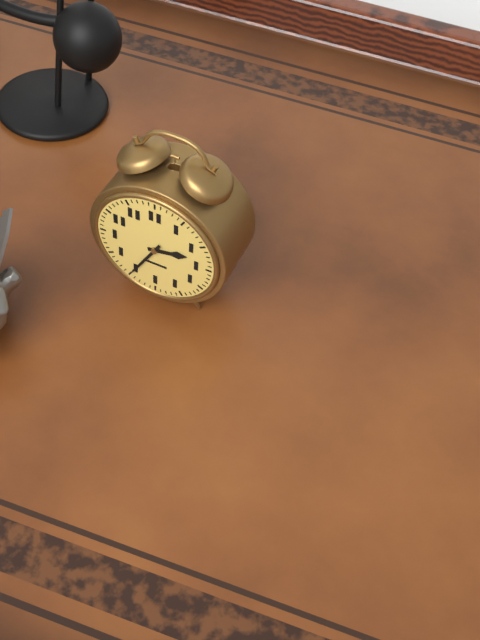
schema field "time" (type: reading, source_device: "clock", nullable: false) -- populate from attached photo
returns 2:35
